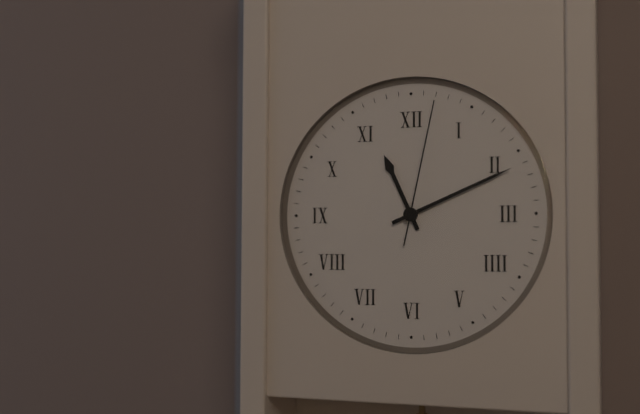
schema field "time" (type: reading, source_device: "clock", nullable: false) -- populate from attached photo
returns 11:11:02
